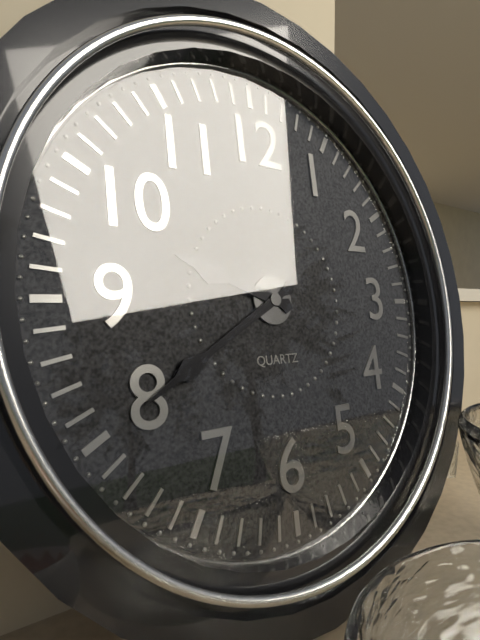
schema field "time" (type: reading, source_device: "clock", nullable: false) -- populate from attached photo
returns 9:40
